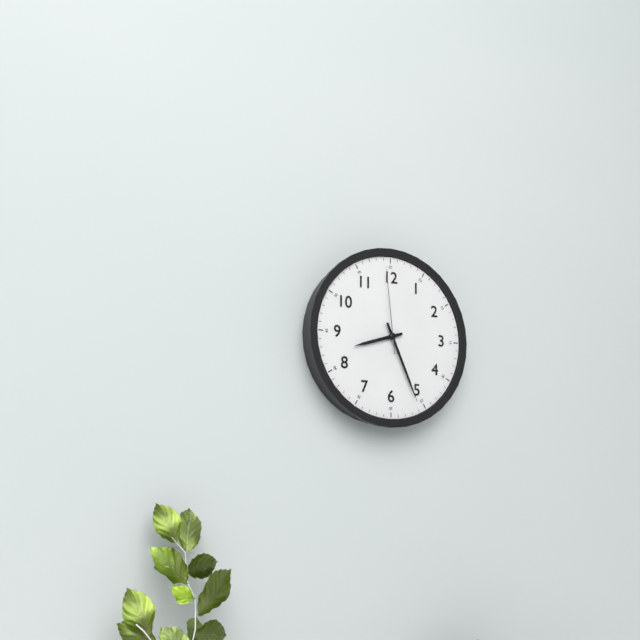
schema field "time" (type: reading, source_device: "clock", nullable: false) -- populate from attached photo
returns 8:26:59
